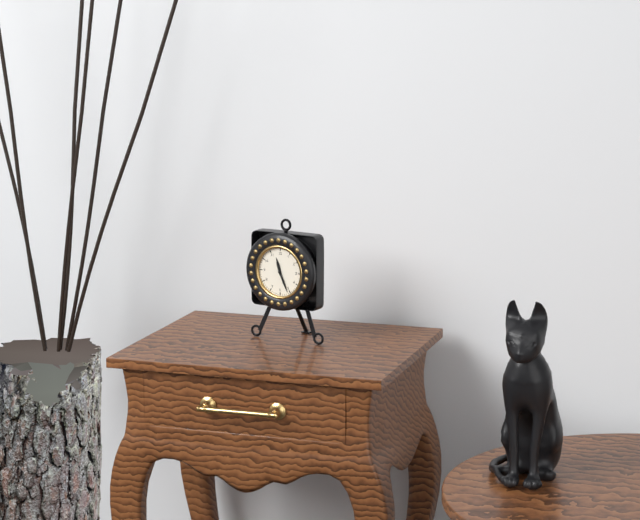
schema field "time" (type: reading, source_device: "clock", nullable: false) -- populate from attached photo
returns 11:26
